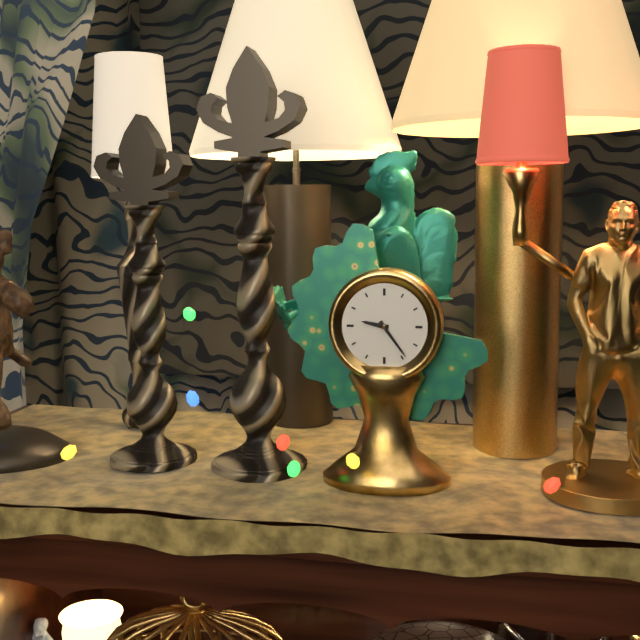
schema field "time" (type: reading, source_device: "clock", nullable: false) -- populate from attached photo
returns 9:24
